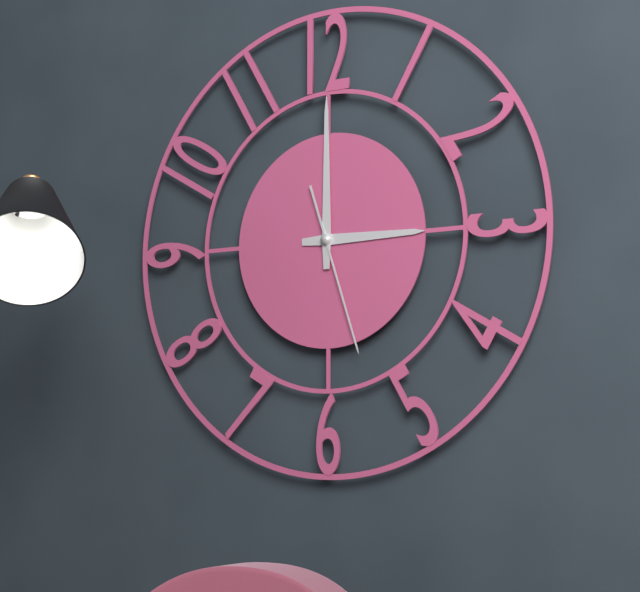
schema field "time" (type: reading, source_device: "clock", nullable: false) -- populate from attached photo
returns 3:00:27
